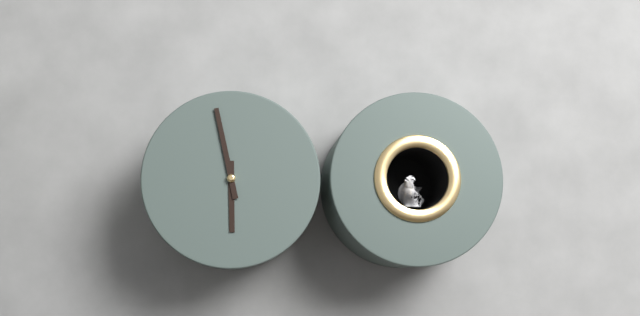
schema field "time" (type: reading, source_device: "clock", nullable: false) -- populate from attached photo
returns 5:58
